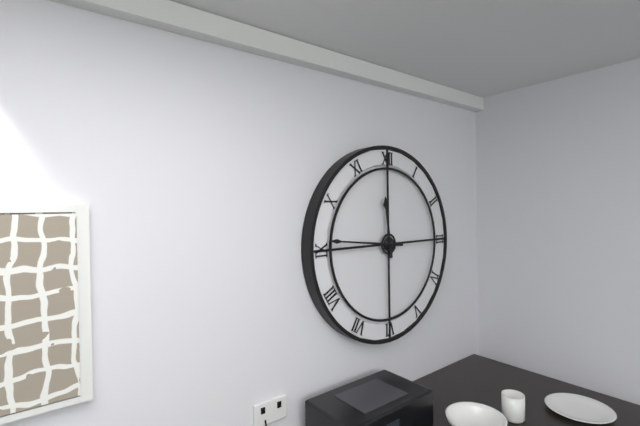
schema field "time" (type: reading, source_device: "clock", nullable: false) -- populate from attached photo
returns 11:46
